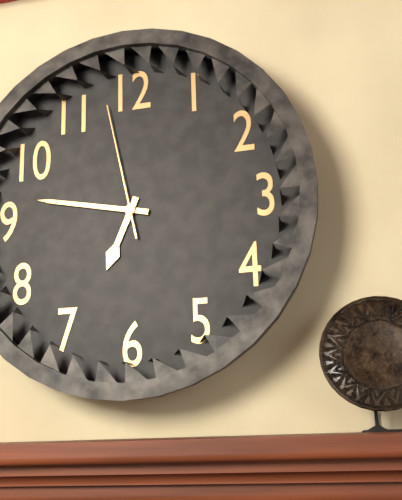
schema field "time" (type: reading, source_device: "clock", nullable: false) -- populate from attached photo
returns 6:47:58
